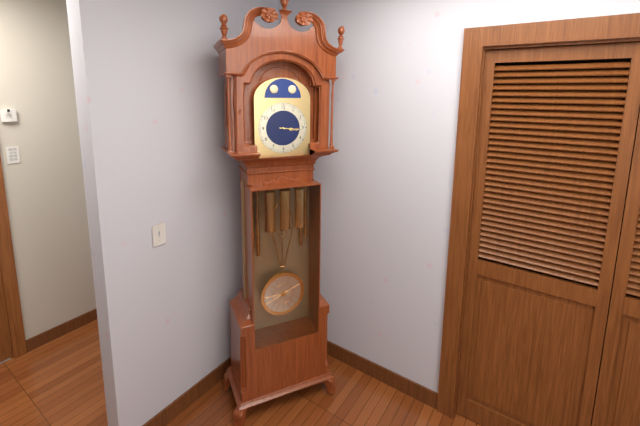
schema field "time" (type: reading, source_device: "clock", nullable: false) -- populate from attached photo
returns 3:16
